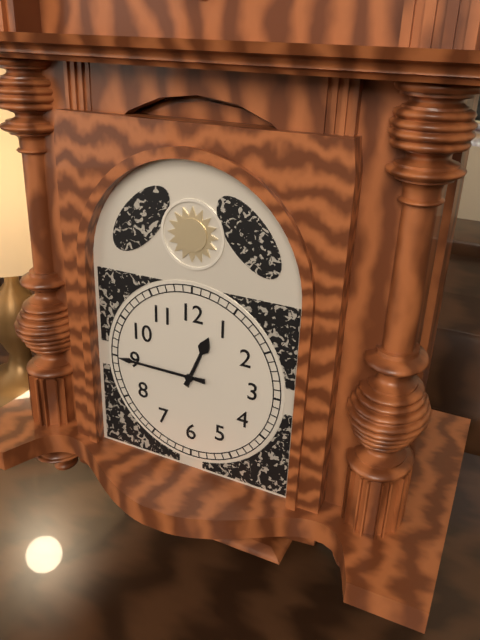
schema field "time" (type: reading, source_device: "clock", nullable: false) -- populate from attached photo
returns 12:45
